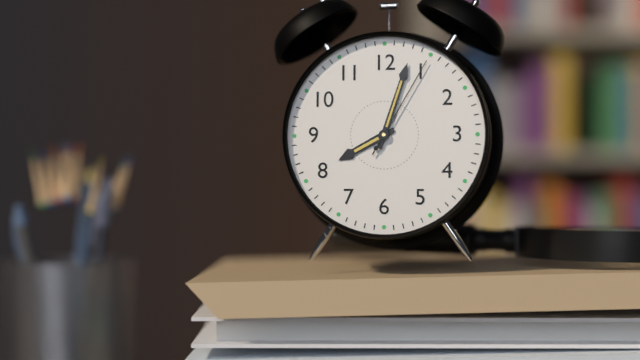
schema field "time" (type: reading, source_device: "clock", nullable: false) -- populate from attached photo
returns 8:03:05
